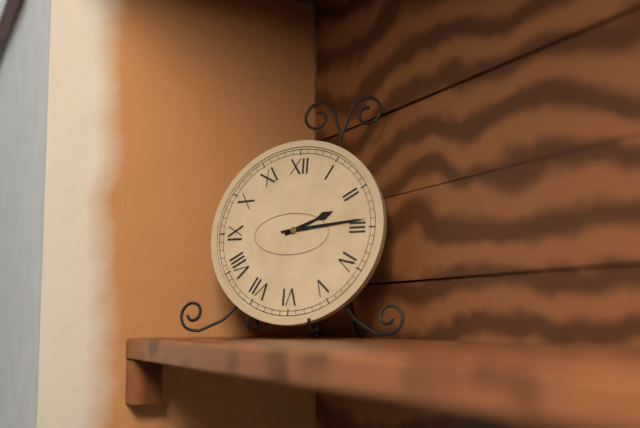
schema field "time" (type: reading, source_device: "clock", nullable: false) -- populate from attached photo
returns 2:14
